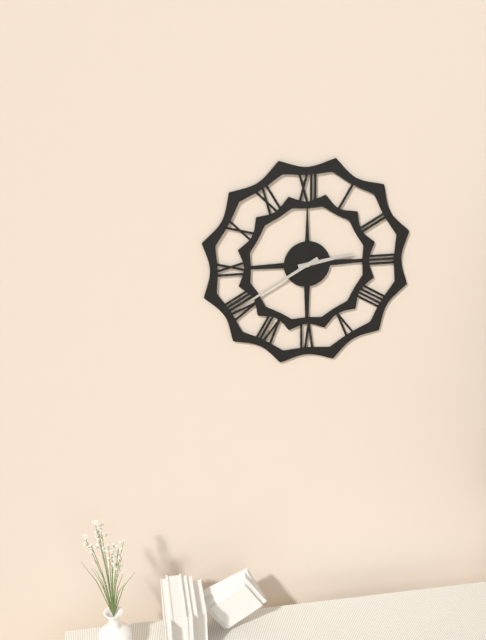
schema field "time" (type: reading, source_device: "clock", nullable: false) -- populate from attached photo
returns 2:40
